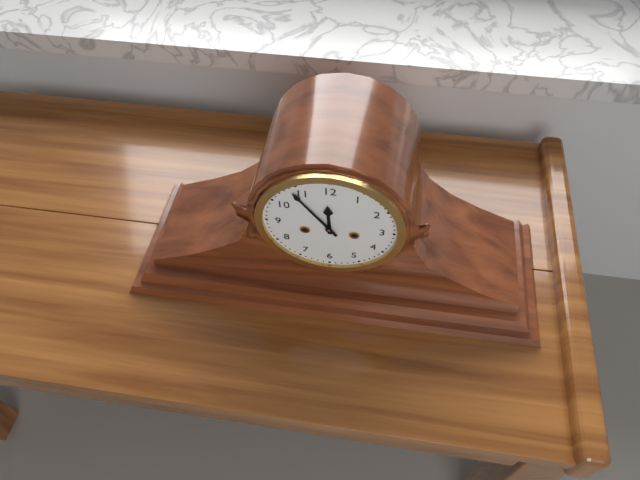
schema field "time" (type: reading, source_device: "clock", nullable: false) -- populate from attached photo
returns 11:54
